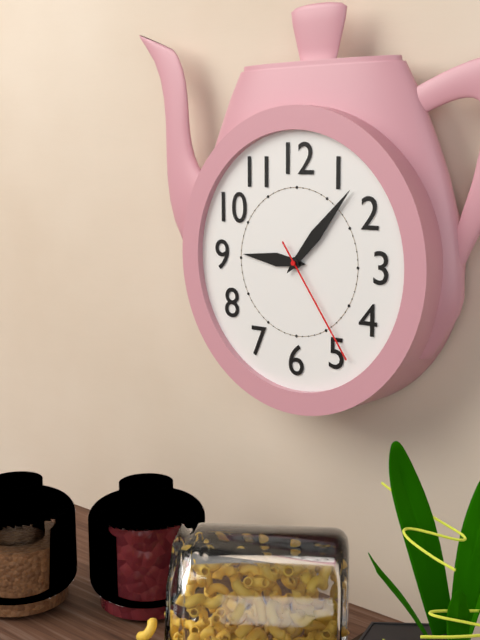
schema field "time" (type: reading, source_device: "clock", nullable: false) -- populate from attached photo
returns 9:07:24
